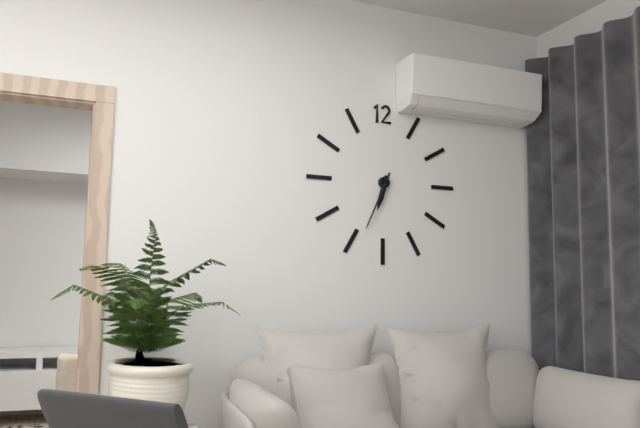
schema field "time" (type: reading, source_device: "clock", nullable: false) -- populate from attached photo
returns 6:34
